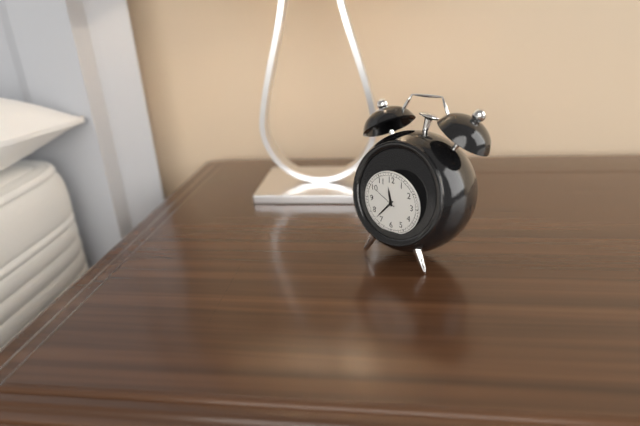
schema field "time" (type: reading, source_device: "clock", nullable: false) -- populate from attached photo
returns 11:37
